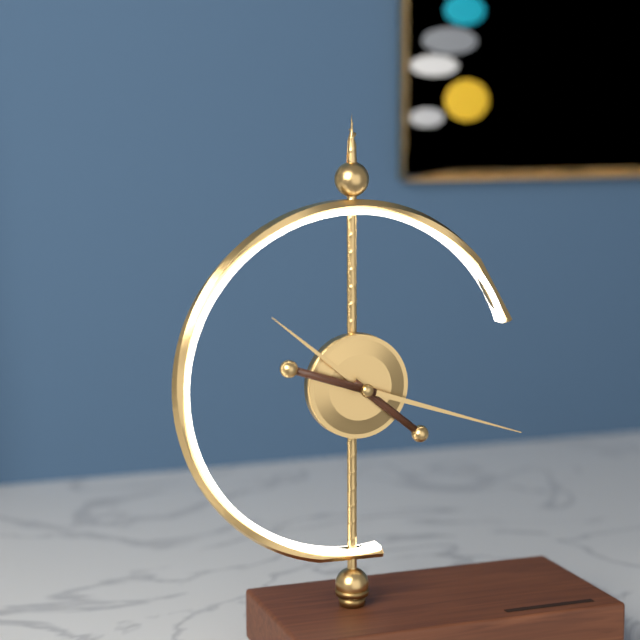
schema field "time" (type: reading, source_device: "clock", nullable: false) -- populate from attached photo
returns 10:18
